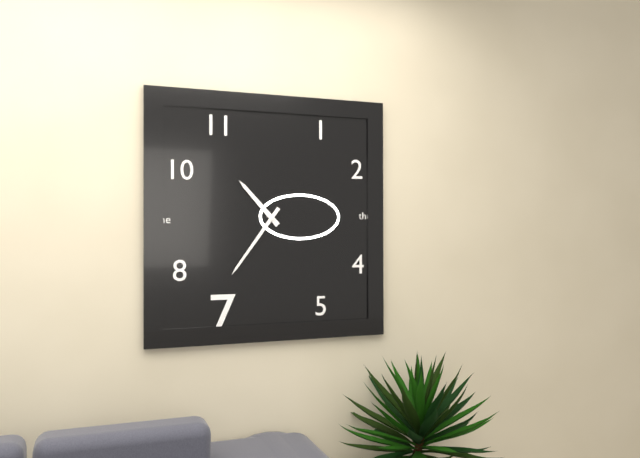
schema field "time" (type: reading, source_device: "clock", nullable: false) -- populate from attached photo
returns 10:36
